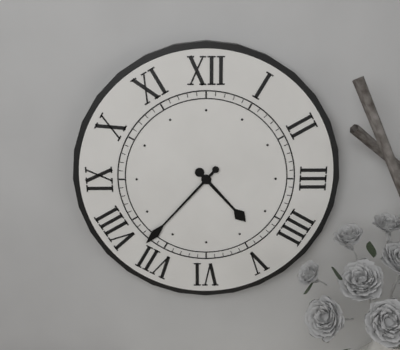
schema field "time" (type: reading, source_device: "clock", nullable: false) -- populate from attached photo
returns 4:37
